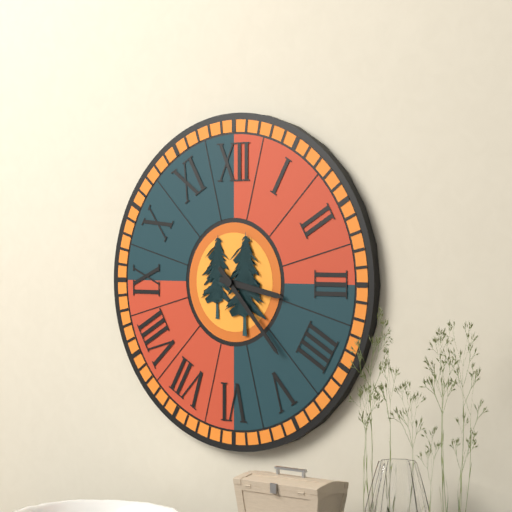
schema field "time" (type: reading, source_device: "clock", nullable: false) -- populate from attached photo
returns 3:23
